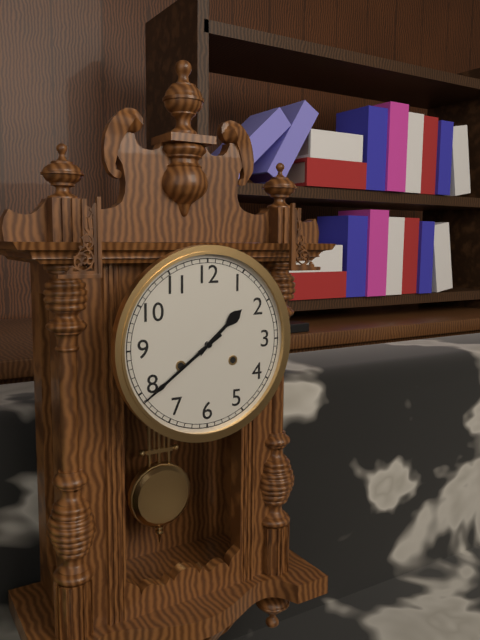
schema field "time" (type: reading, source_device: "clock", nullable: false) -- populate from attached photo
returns 1:39
